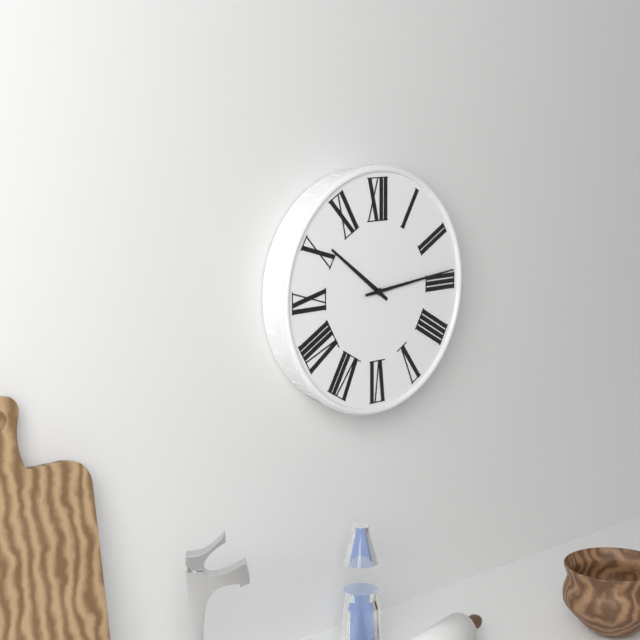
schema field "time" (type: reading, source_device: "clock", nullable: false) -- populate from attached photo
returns 10:14
